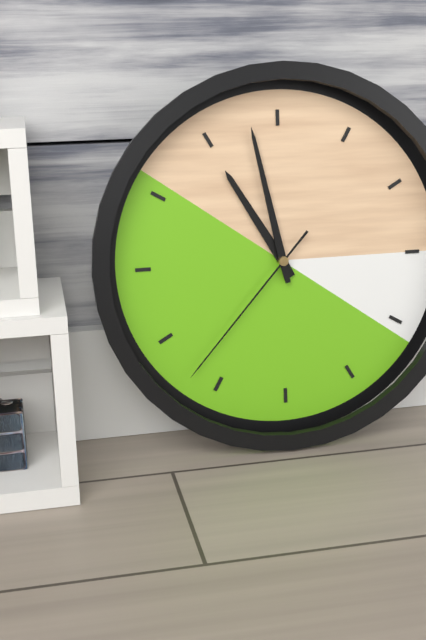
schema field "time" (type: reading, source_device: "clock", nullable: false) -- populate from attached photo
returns 10:58:37
